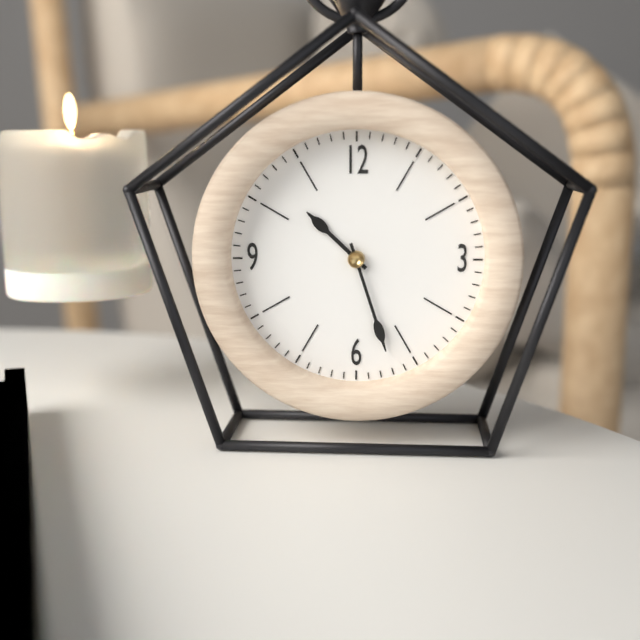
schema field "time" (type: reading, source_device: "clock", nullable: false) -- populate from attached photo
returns 10:27
